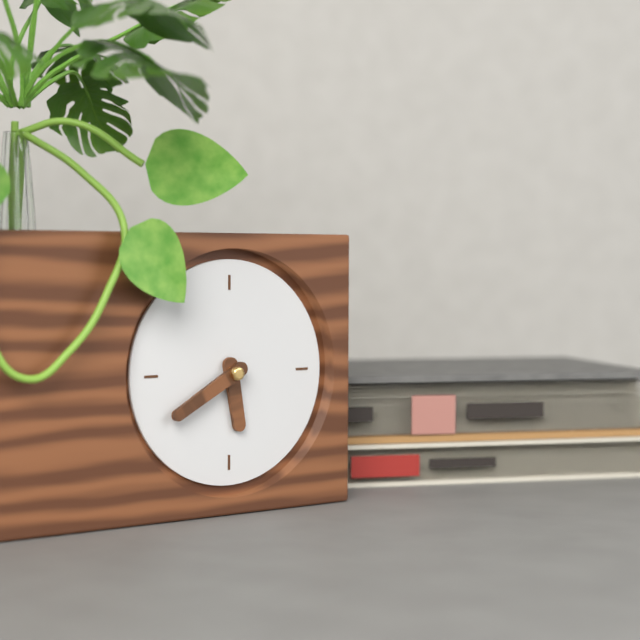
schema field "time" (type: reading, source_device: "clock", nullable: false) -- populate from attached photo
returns 5:40
